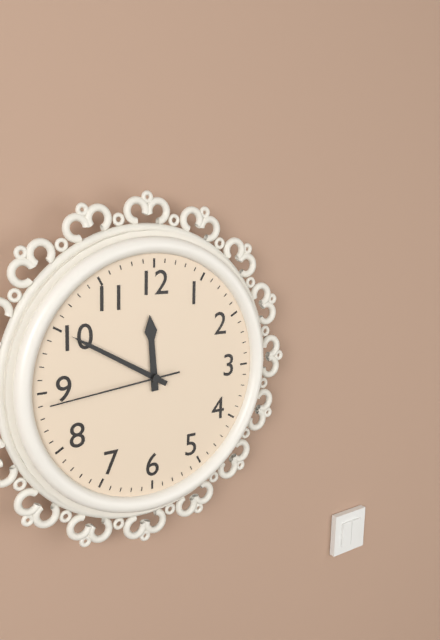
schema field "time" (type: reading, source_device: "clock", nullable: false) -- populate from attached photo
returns 11:50:44
